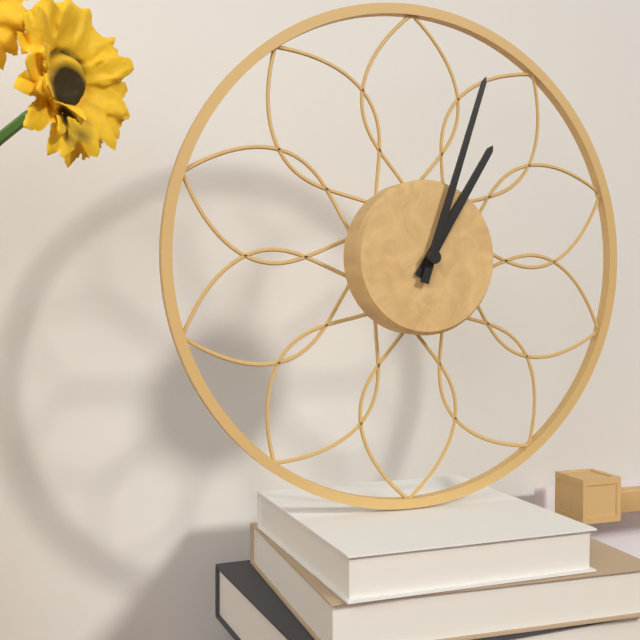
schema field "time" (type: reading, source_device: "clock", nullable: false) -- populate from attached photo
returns 1:03
